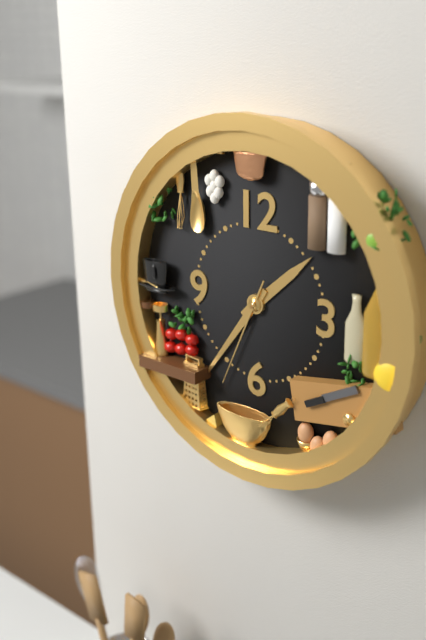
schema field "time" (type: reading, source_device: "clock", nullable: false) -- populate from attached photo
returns 1:36:34
